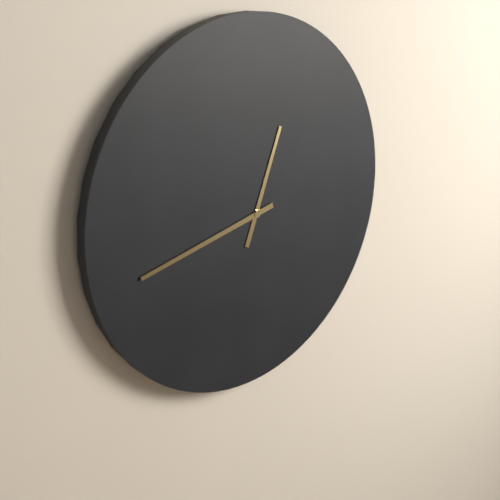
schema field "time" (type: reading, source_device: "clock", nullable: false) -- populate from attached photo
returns 12:43
